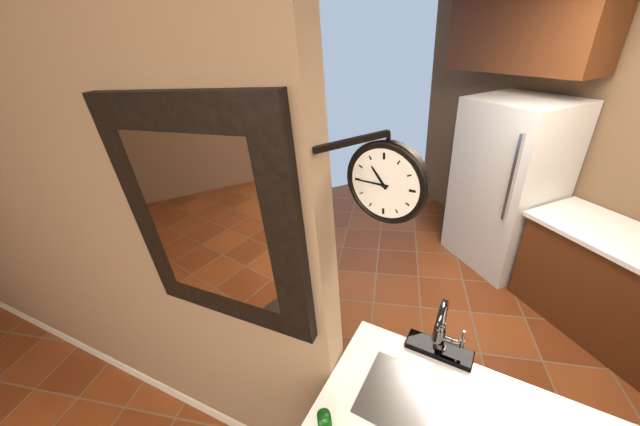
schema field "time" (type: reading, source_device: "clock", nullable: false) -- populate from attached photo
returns 10:45
